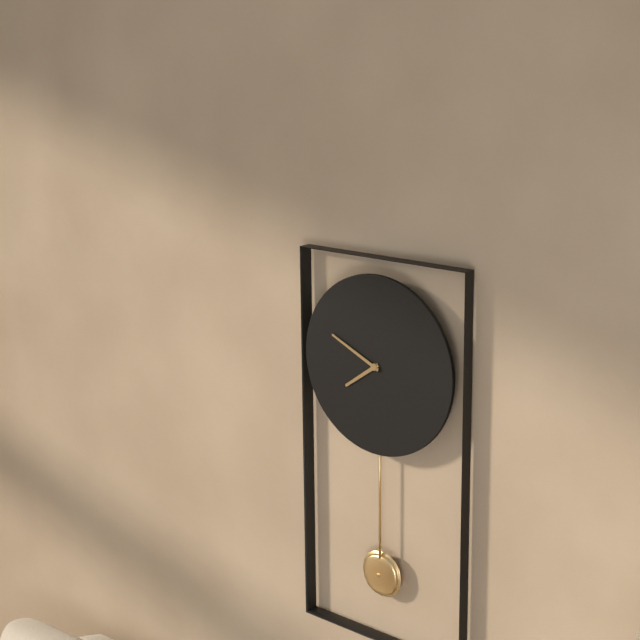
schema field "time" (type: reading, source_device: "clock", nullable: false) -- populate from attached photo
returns 7:49
